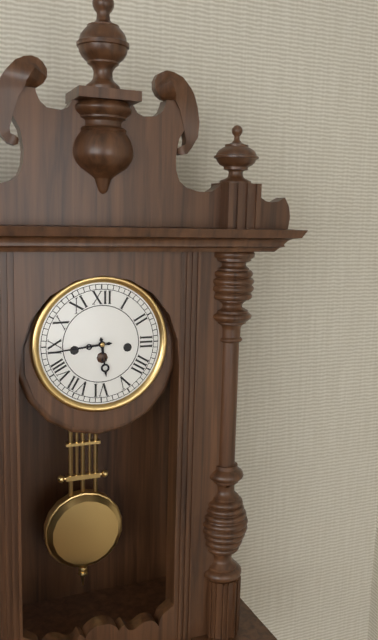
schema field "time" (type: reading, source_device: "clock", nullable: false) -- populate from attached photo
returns 5:44
